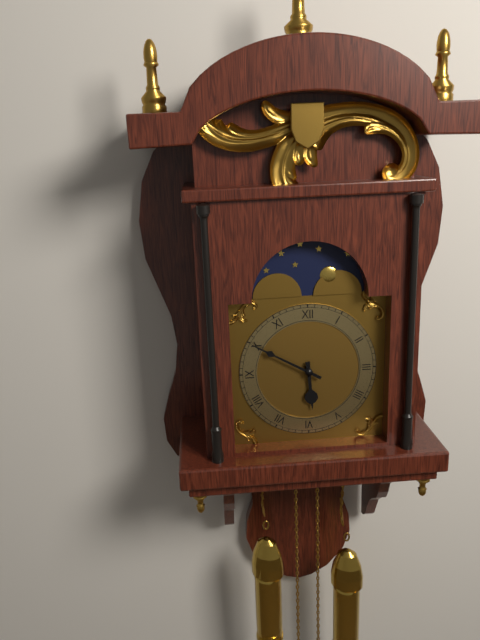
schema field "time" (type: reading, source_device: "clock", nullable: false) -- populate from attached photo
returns 5:50
